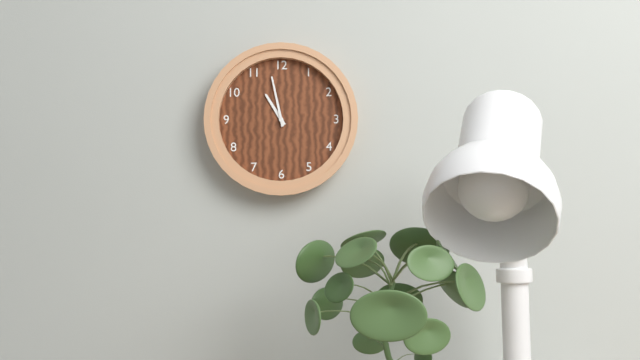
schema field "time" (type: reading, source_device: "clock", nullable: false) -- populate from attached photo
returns 10:58
